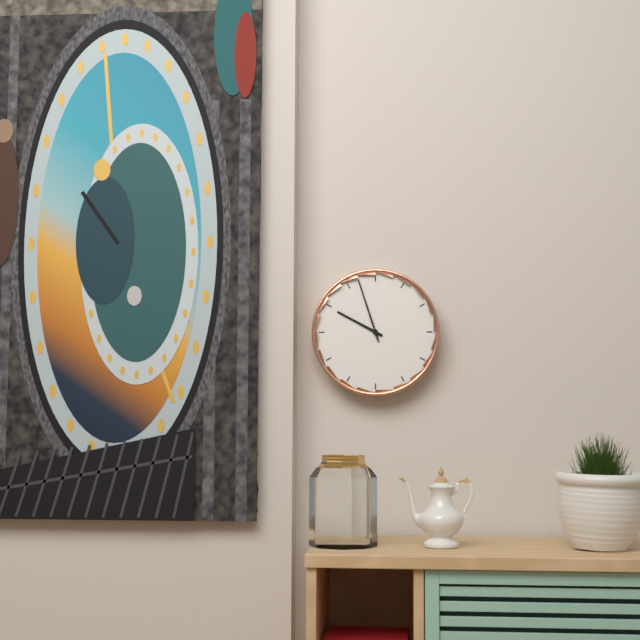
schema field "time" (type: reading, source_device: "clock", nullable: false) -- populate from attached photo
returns 9:57
